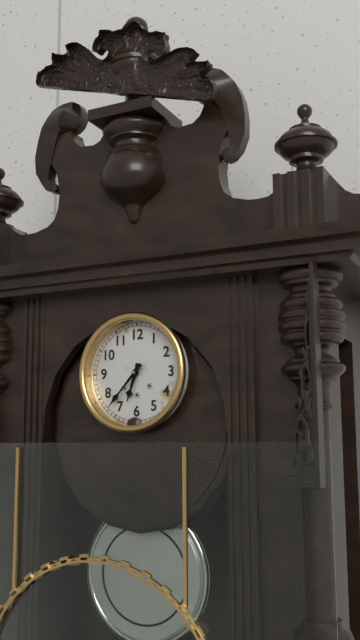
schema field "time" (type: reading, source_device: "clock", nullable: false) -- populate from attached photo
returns 6:37
